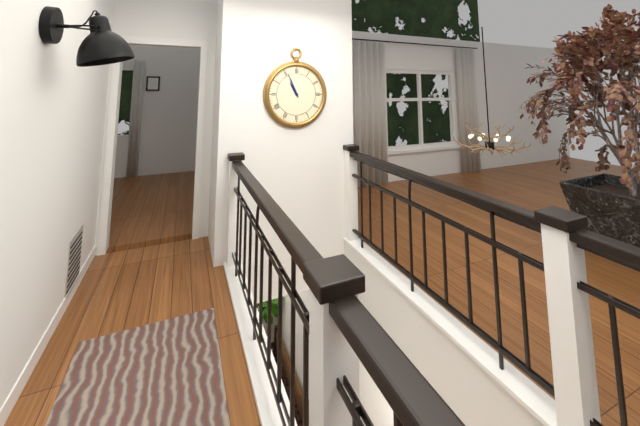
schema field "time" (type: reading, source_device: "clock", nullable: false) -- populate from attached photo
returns 10:56
